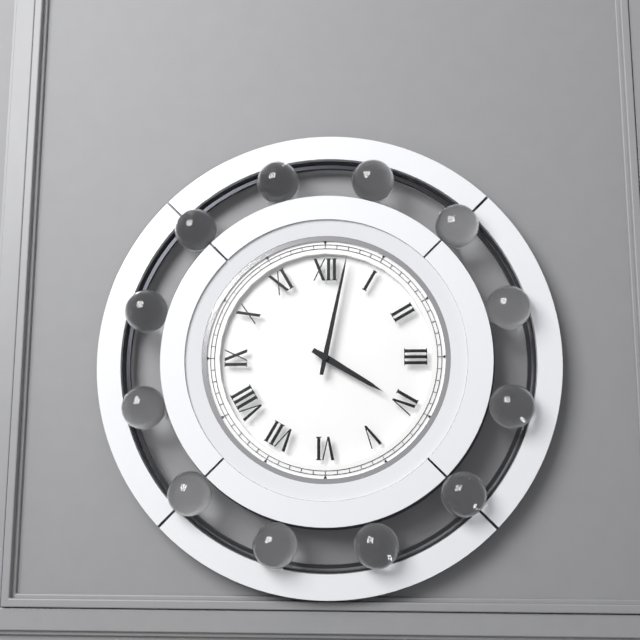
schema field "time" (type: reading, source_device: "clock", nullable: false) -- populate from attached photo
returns 4:02
